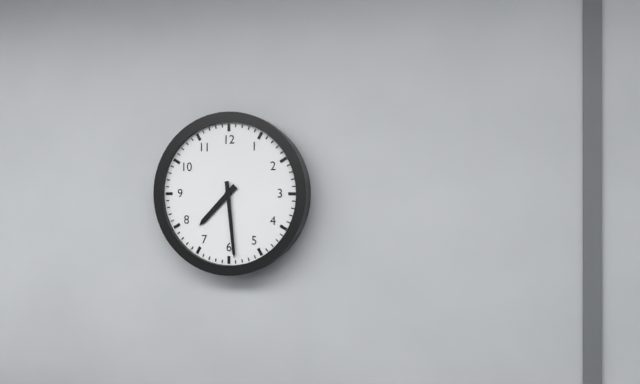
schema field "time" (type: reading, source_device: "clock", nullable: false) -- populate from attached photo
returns 7:29
